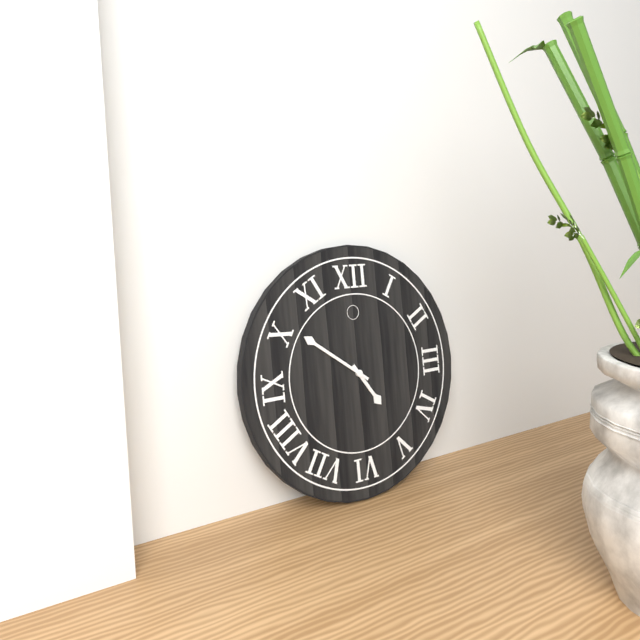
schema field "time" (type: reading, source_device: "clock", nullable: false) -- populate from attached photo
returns 4:51
